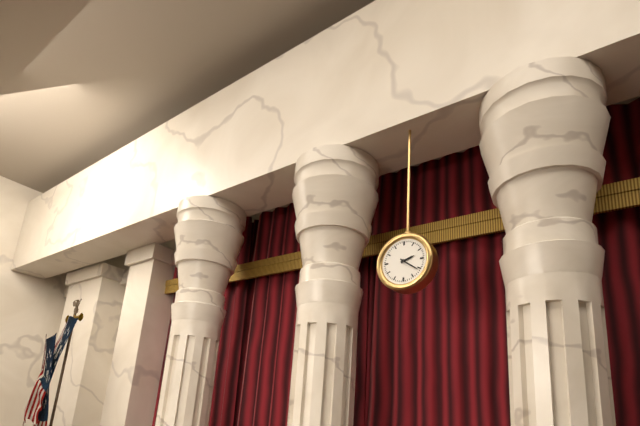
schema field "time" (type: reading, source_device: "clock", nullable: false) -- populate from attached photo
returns 2:21
